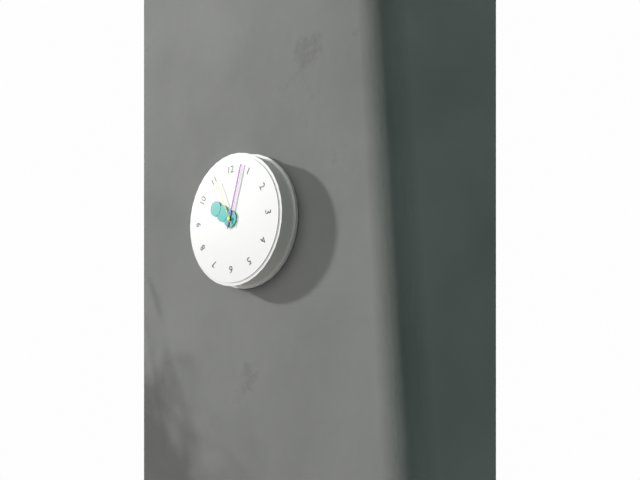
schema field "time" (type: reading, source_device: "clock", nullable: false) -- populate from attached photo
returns 10:03:56
